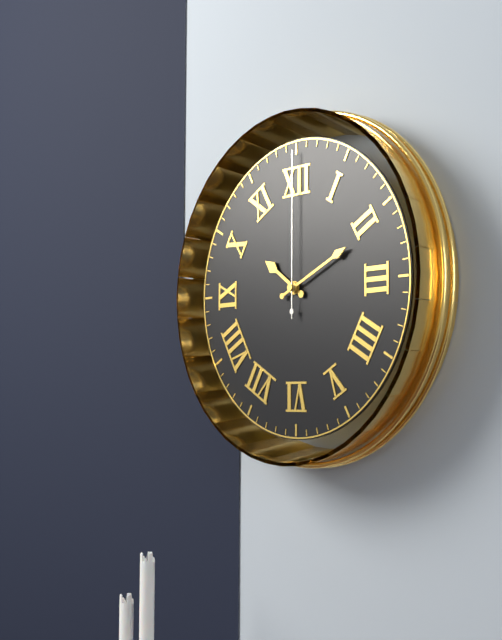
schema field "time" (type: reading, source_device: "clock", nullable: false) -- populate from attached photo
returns 10:11:00
